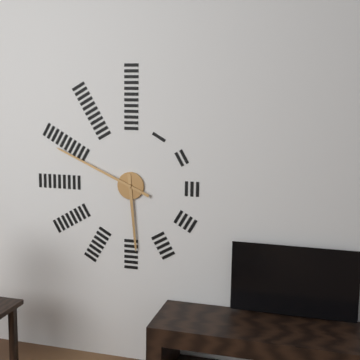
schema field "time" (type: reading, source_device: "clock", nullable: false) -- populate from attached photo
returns 5:49
